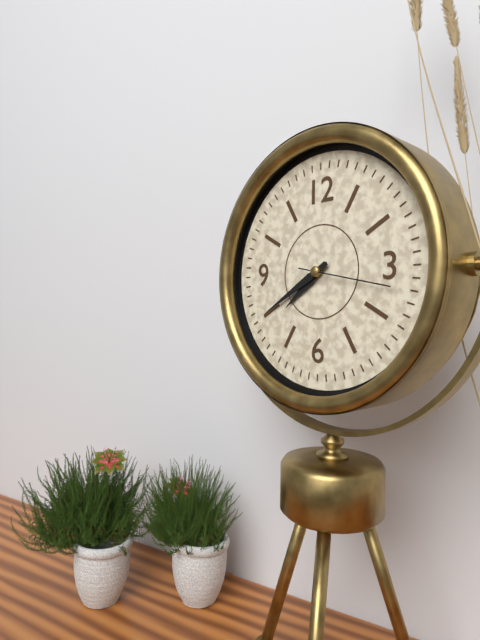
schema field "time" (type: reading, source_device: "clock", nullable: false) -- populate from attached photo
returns 7:40:17
